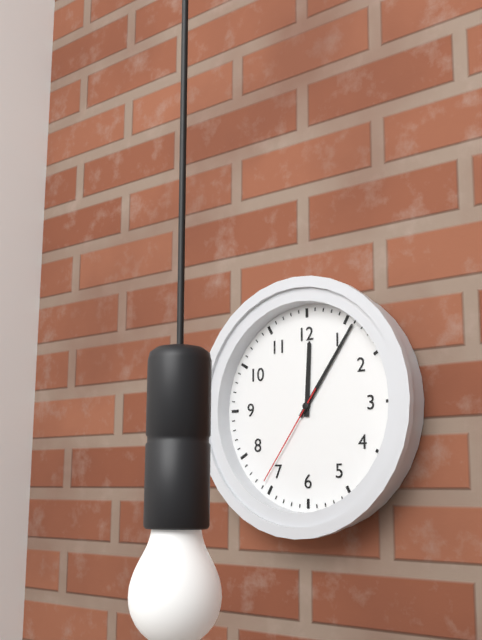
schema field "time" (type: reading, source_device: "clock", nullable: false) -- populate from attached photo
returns 12:06:36
